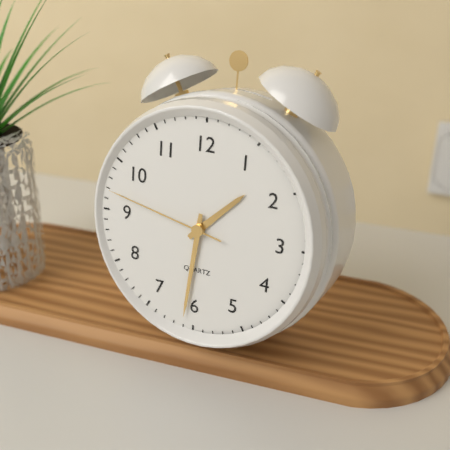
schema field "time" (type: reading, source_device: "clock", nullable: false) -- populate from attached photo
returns 1:31:47
